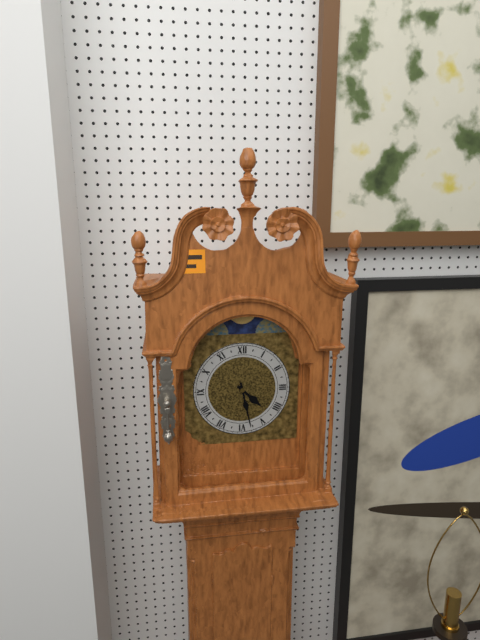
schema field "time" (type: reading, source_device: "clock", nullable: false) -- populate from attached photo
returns 4:28
